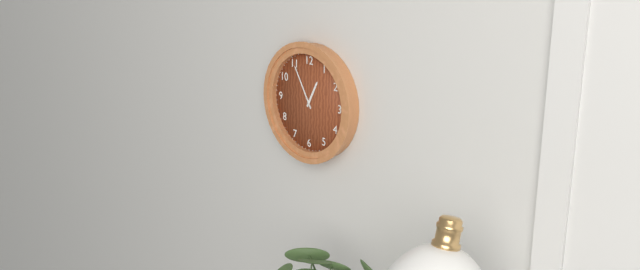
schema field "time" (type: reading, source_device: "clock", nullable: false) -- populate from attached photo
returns 12:55
